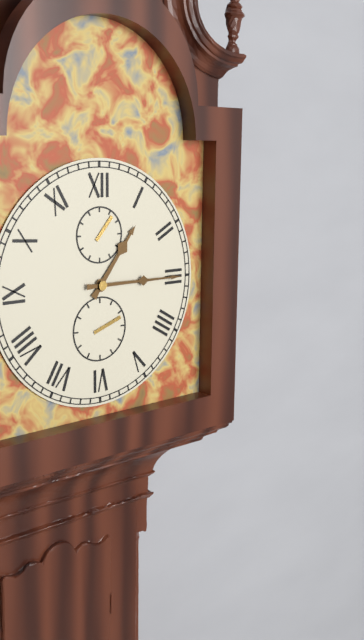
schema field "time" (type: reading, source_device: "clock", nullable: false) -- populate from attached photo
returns 1:15
